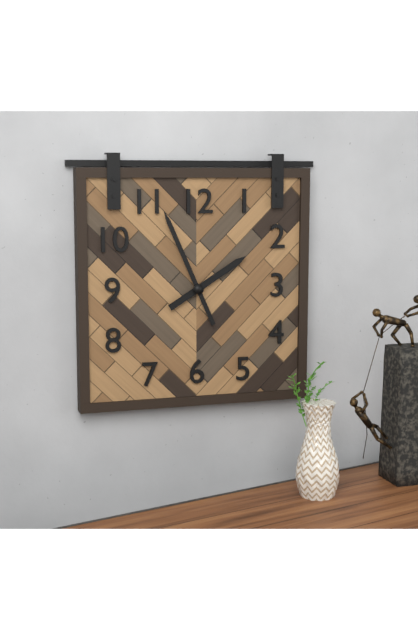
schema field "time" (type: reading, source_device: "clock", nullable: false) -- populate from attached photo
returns 1:56
